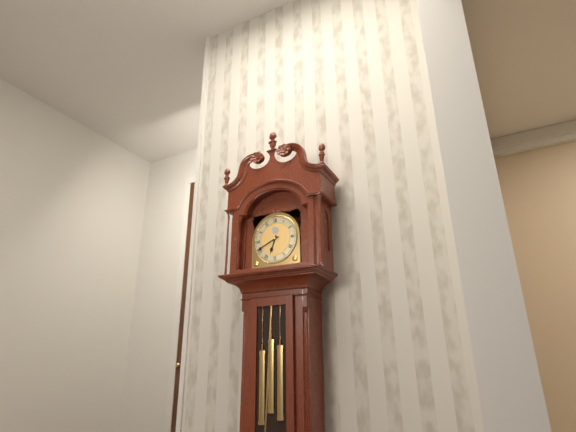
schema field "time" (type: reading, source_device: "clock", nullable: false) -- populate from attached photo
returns 6:41
